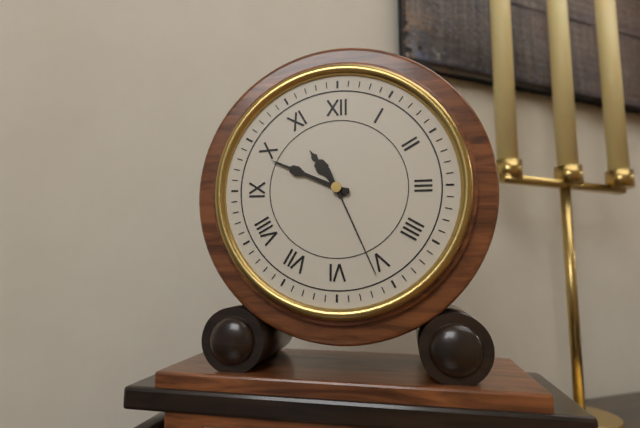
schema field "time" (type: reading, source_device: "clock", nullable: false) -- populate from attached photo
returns 10:49:26
